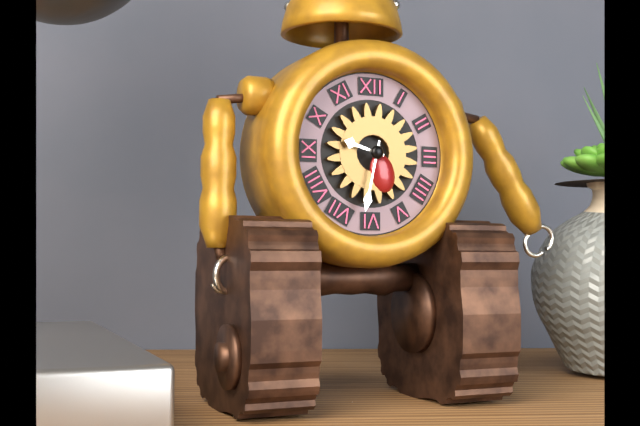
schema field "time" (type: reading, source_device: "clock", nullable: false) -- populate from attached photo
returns 9:32
